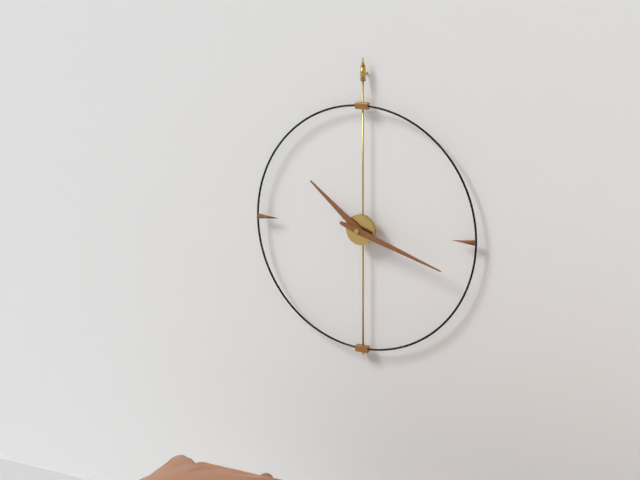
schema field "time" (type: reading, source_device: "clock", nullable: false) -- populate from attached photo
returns 10:18
